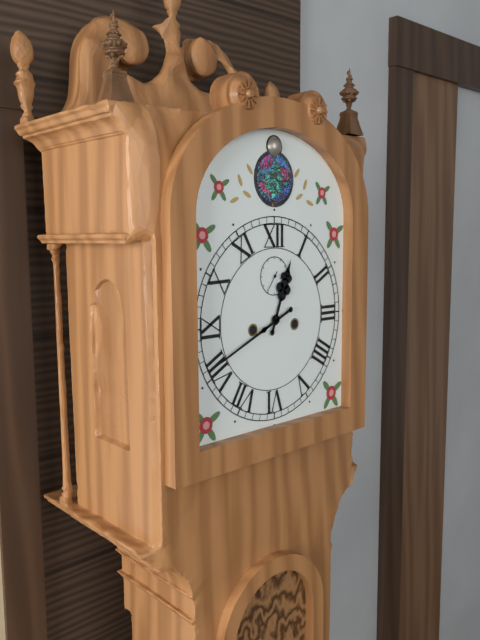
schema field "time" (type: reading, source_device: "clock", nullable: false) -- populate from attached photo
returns 12:41
